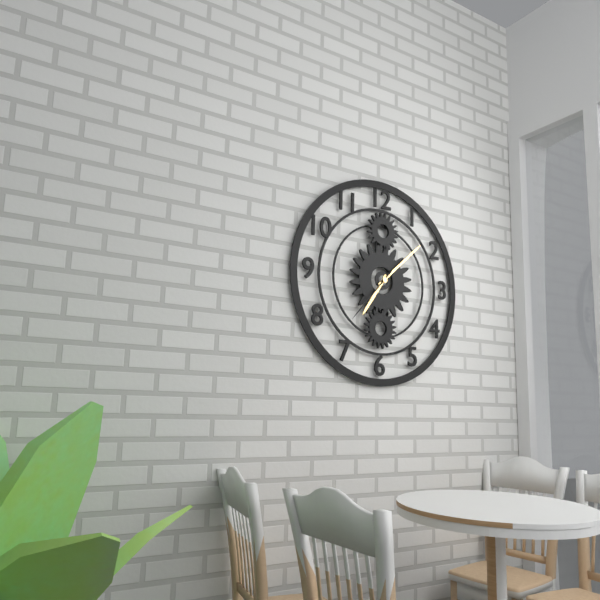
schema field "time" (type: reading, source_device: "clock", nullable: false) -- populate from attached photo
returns 7:08:37
